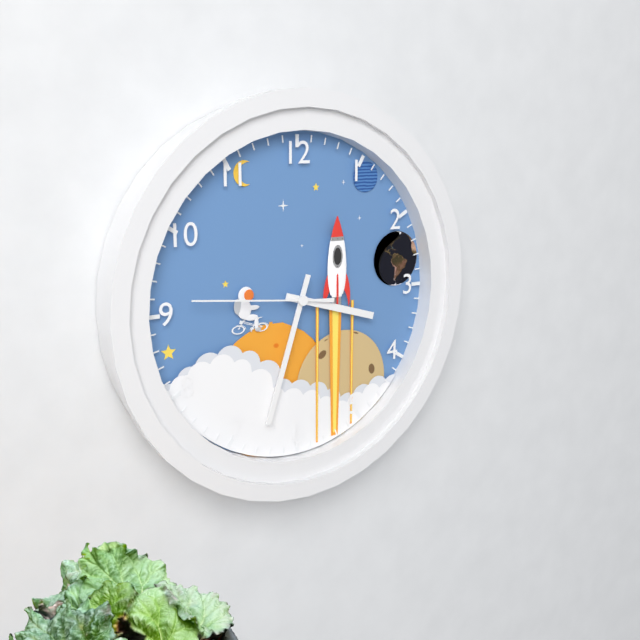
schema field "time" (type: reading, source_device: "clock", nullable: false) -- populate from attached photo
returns 3:33:46
